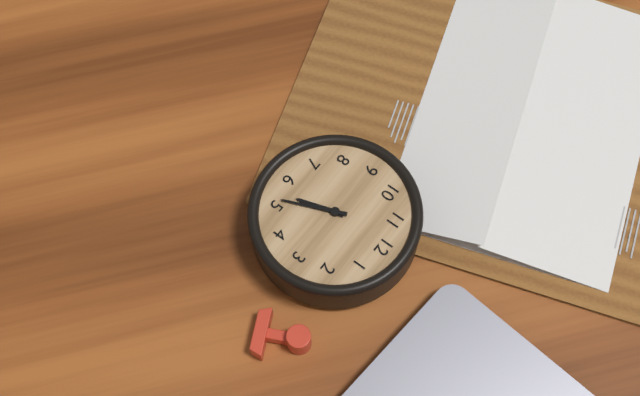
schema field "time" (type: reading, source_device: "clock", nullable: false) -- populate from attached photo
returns 5:26
